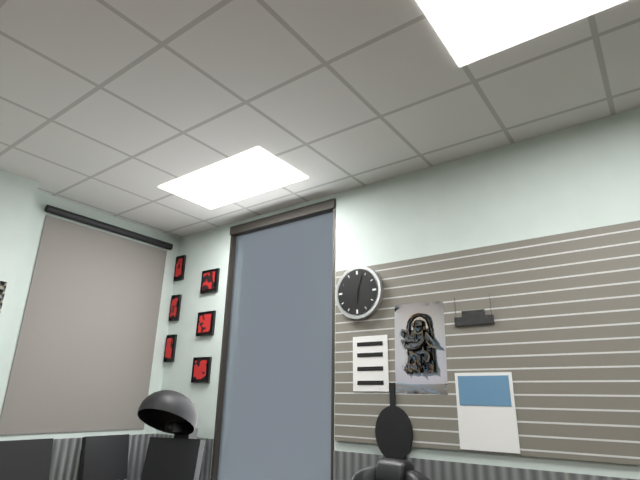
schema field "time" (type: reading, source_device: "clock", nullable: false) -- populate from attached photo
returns 6:03
